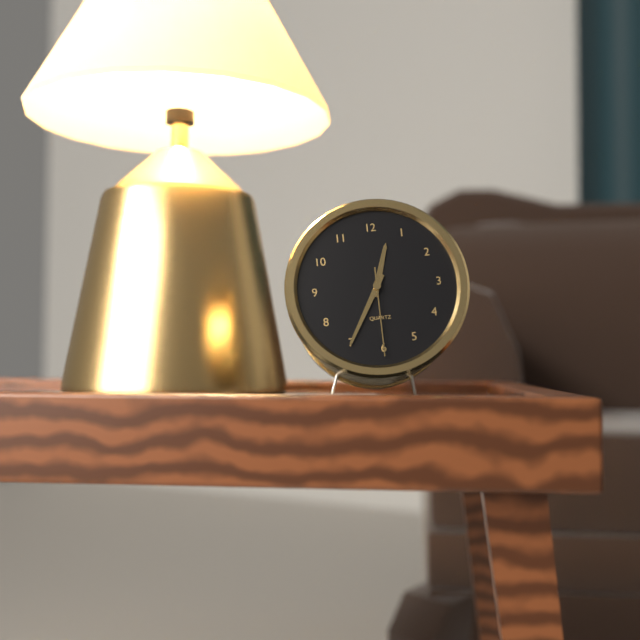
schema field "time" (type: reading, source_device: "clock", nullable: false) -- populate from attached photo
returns 12:35:30
